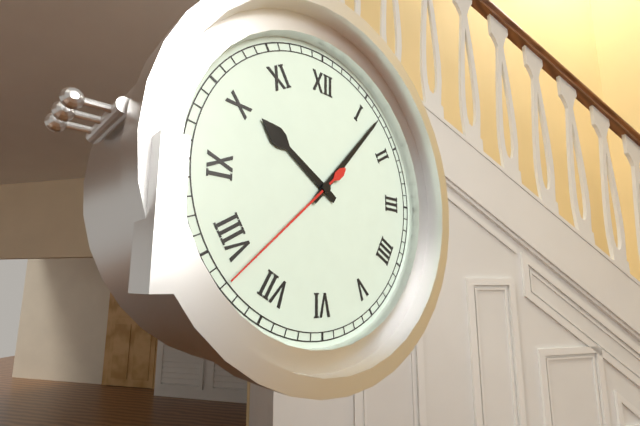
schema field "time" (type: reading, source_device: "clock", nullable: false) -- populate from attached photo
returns 10:07:38
